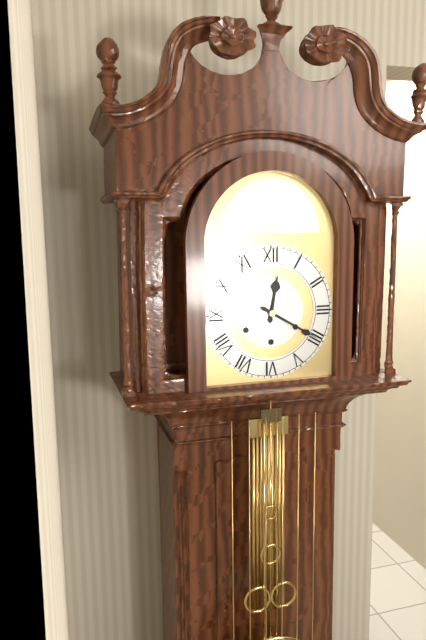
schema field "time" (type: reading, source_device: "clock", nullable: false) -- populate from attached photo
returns 12:20
